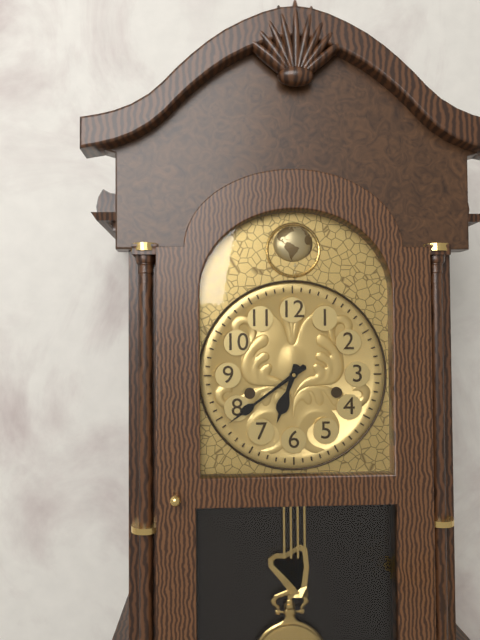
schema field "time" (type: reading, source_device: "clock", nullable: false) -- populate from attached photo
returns 6:39
